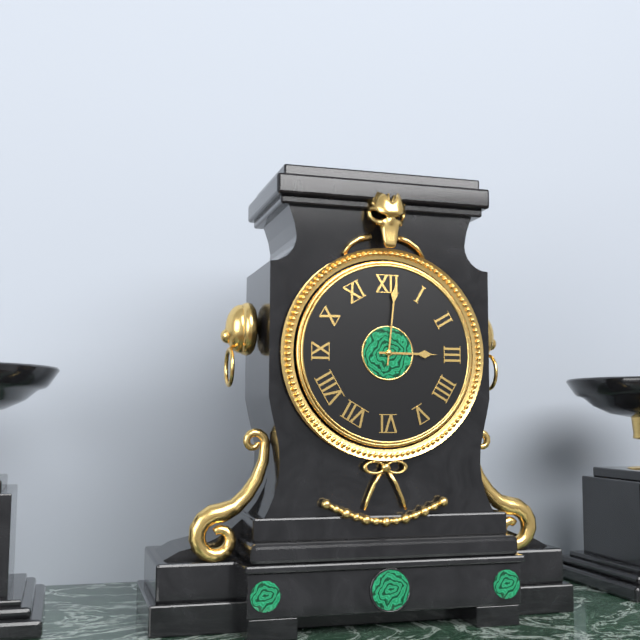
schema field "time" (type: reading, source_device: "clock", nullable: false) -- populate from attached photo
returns 3:01
